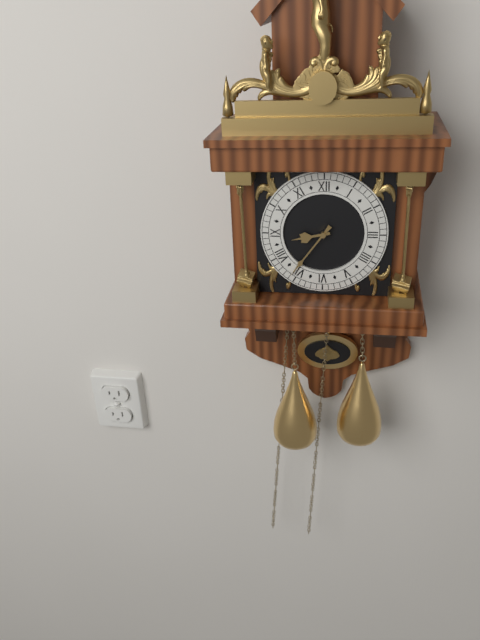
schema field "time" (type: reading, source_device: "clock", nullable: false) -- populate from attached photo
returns 8:36
